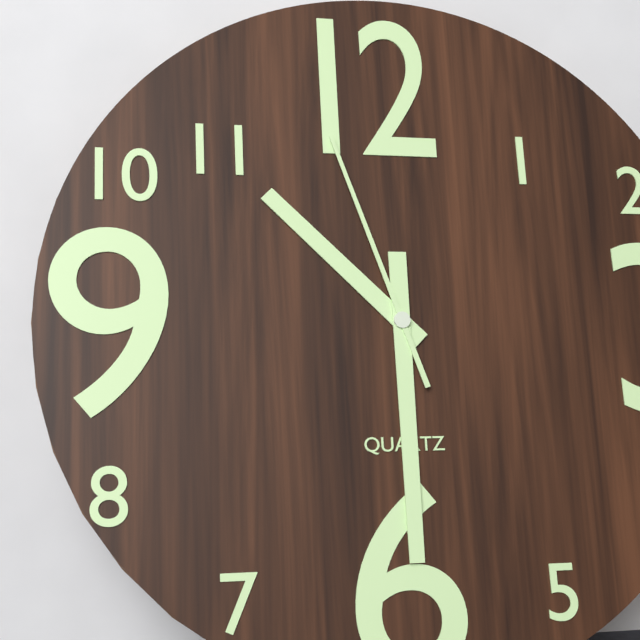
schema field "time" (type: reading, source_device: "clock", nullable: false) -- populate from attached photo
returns 10:30:57
